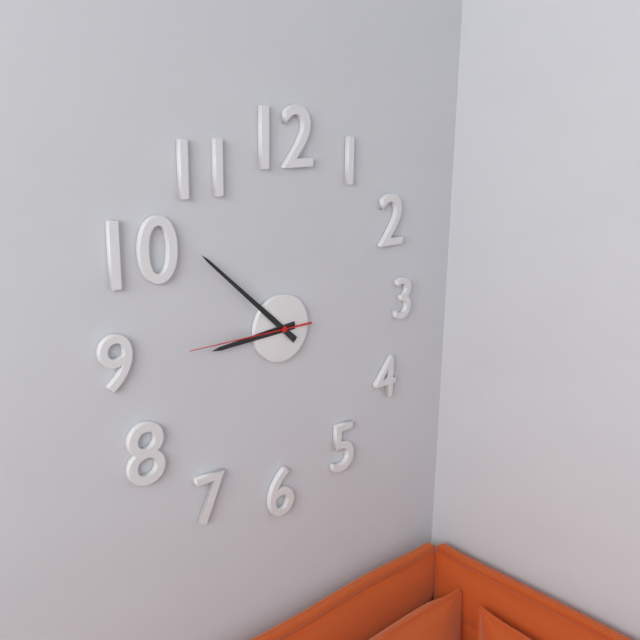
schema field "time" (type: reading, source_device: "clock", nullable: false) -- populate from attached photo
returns 8:52:45
